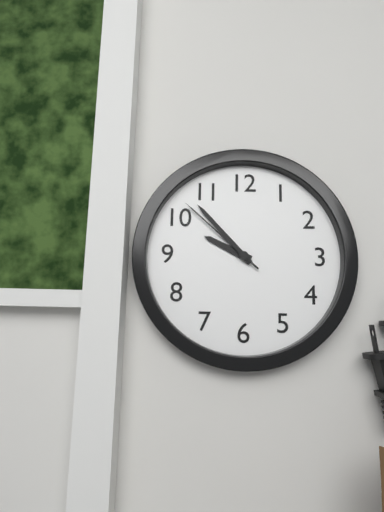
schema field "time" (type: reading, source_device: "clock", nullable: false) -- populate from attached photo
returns 9:53:52
